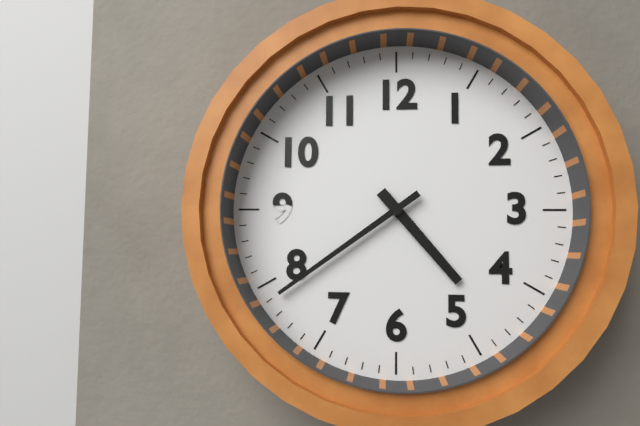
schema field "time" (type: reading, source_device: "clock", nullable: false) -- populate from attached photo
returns 4:39
